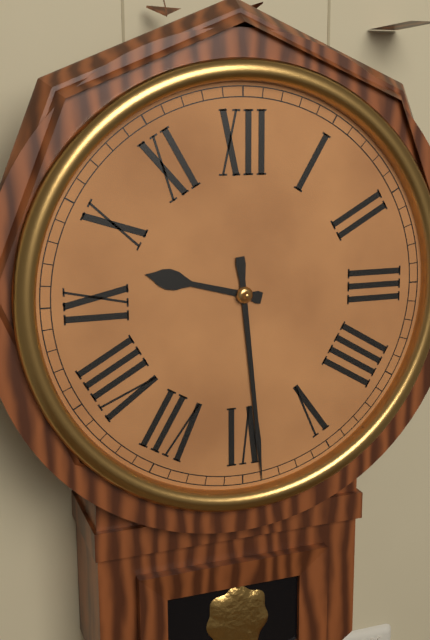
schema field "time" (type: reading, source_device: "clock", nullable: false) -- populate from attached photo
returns 9:29
